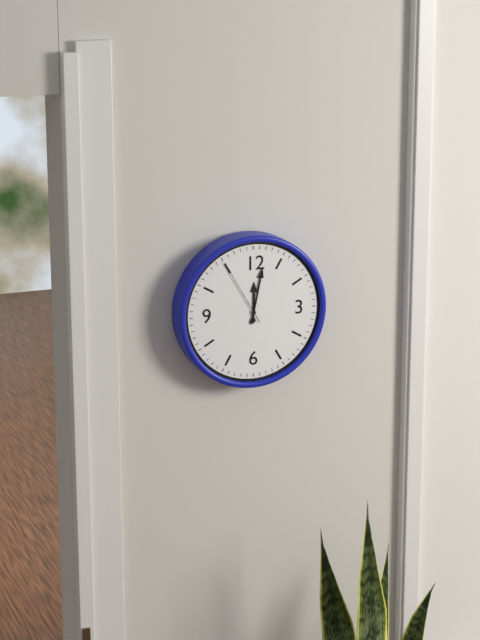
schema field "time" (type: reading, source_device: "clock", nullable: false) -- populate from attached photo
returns 12:02:55
